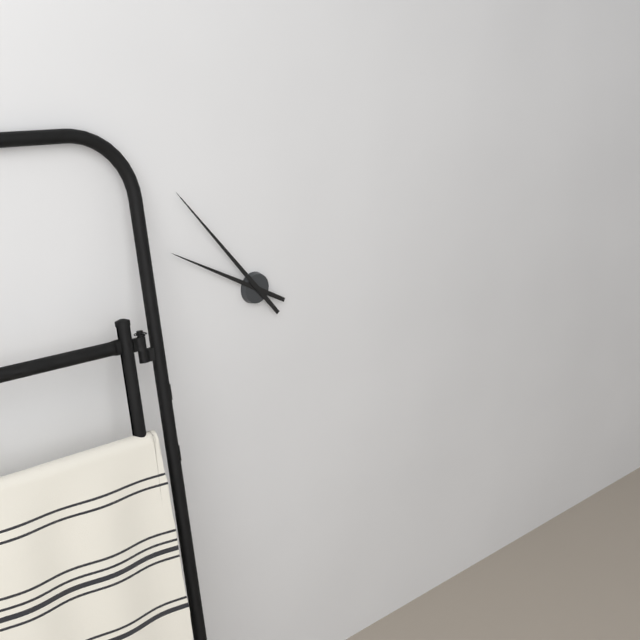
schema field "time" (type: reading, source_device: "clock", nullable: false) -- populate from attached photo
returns 9:53
